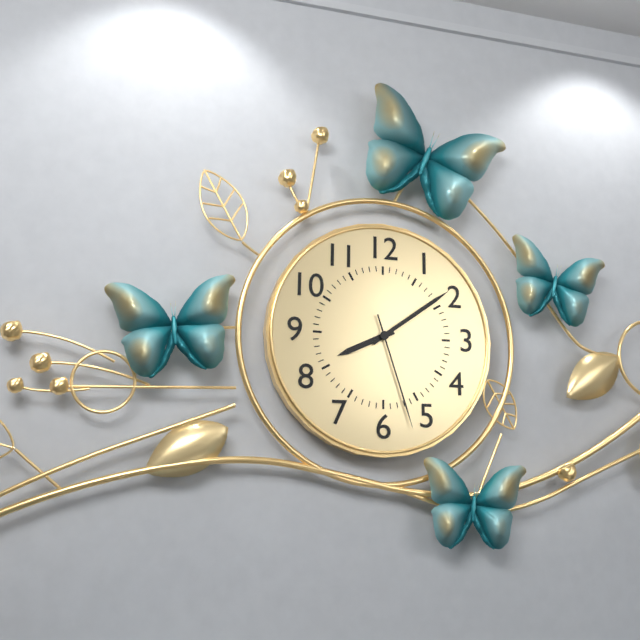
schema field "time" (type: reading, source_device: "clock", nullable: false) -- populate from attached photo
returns 8:09:27
